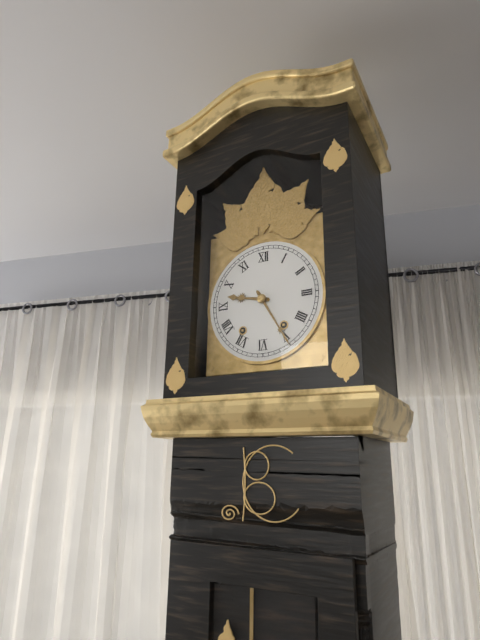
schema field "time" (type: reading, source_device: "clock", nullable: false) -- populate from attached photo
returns 9:25
